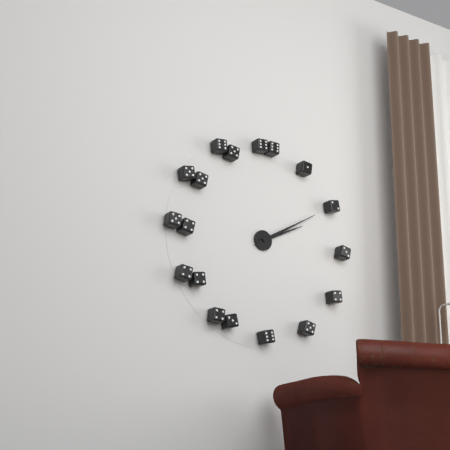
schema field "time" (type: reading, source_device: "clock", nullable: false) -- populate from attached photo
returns 2:10
